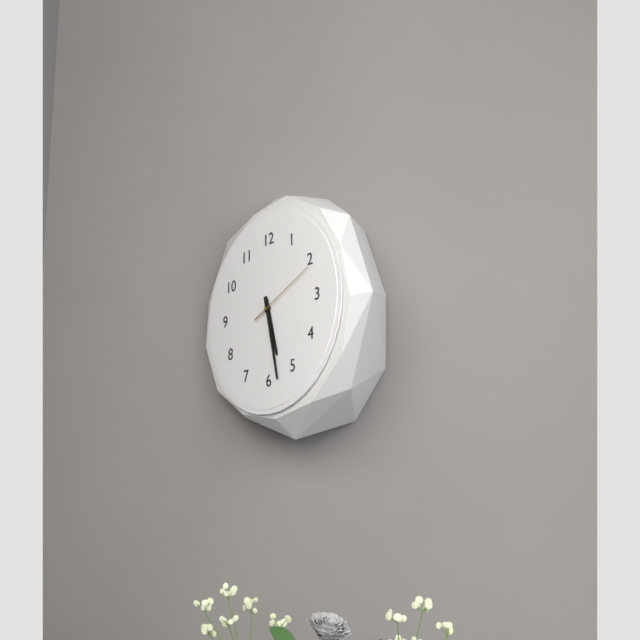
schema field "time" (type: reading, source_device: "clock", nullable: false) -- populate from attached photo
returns 5:28:11
